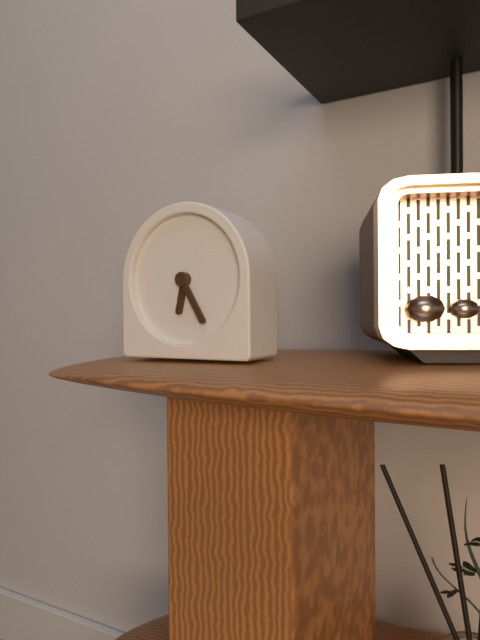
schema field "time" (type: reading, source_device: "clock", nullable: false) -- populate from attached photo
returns 6:25
